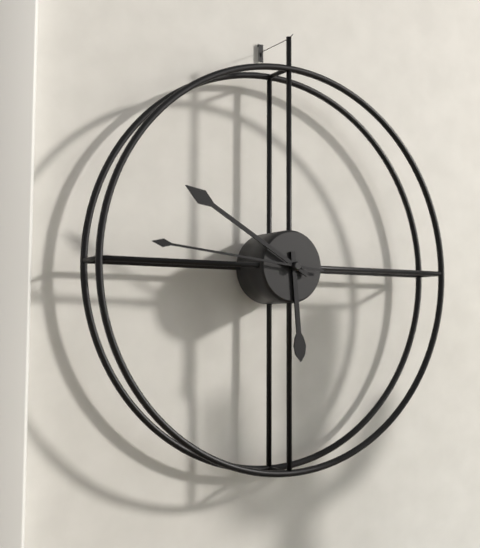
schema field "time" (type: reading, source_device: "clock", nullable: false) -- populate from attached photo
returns 5:50:46
